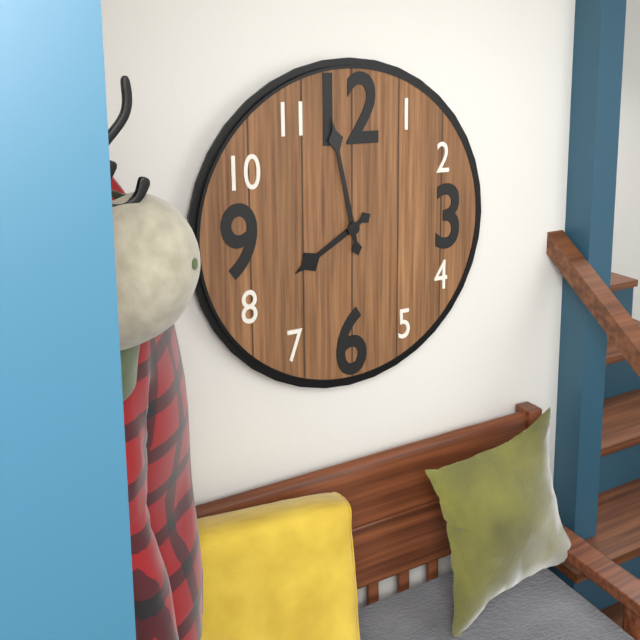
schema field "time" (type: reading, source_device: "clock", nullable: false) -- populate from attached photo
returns 7:58
